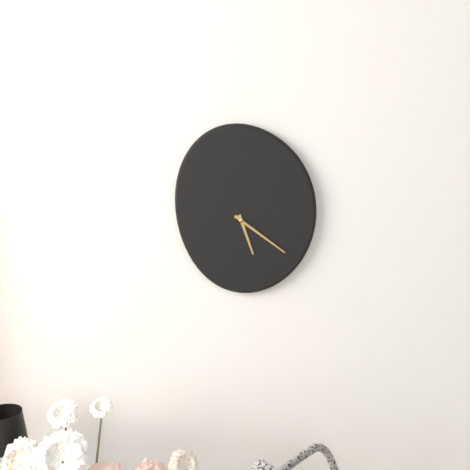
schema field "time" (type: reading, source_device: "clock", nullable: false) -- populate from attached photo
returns 5:21
